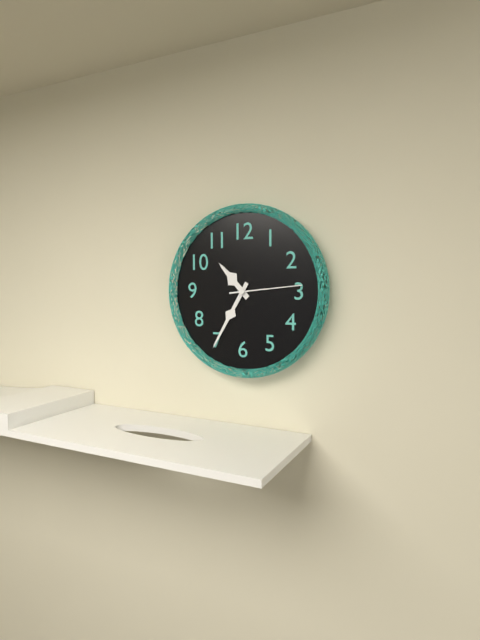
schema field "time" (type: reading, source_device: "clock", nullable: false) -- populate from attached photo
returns 10:35:14
